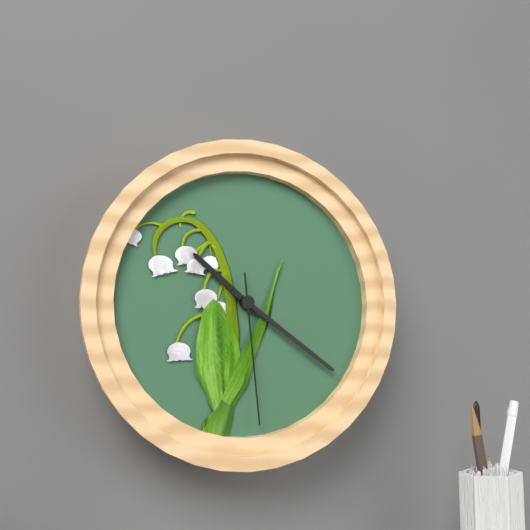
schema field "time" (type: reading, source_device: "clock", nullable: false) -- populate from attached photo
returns 10:21:29
